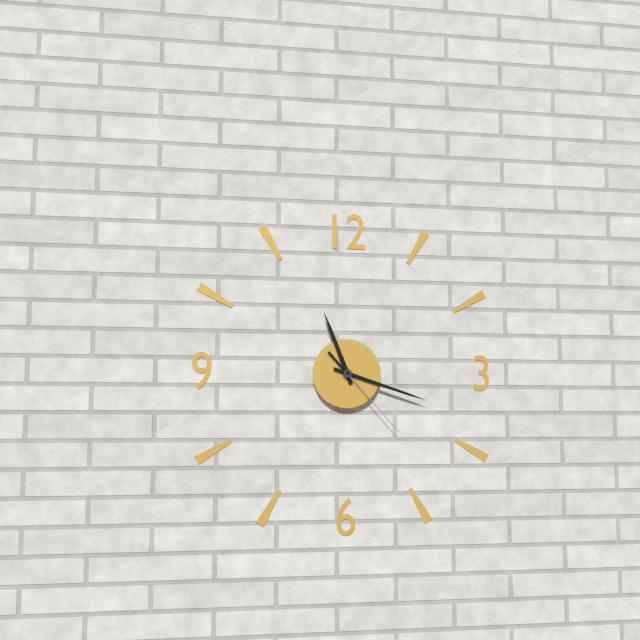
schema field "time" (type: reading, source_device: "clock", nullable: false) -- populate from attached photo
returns 11:18:23
